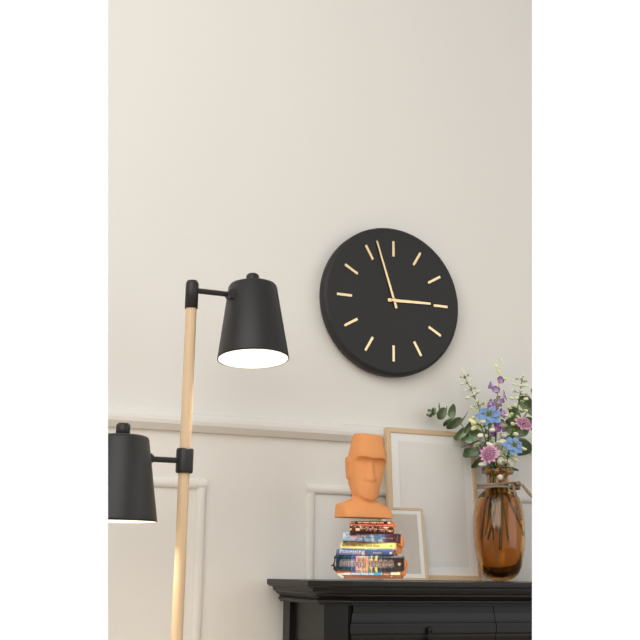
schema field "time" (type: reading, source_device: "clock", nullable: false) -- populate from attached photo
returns 2:57
